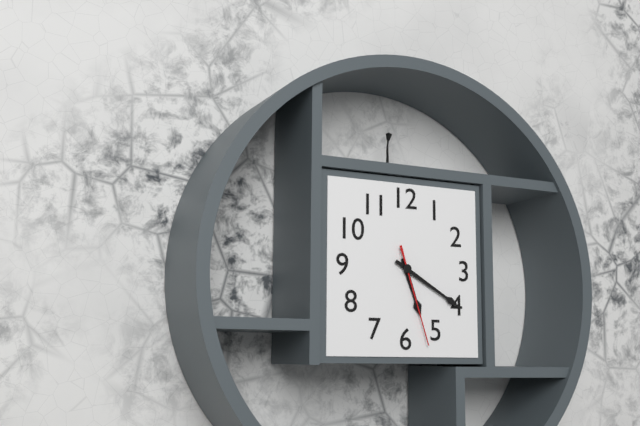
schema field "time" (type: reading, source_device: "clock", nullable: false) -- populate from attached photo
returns 5:20:27
